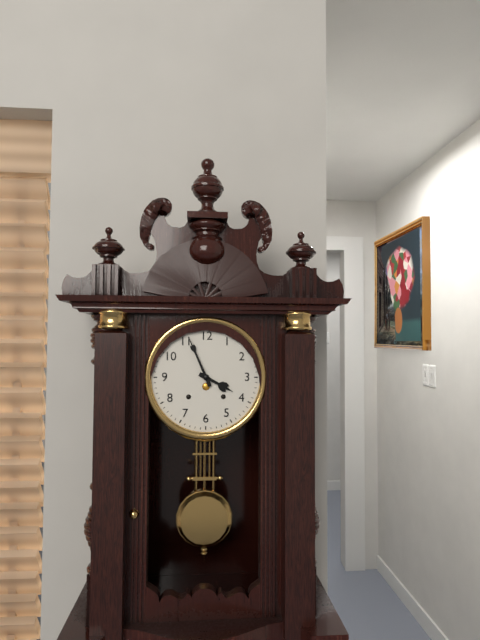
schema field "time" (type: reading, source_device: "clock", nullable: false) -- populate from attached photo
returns 3:56
